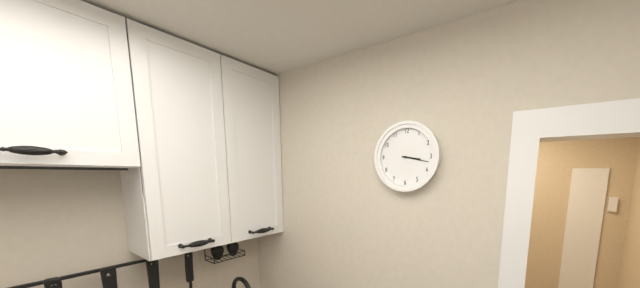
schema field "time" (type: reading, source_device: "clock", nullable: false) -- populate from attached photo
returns 3:17
